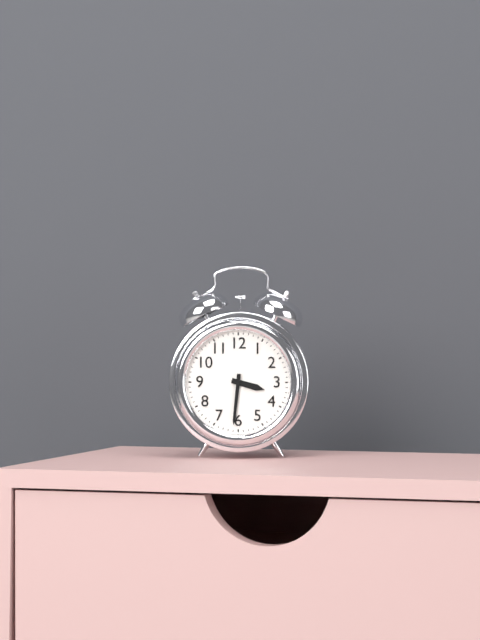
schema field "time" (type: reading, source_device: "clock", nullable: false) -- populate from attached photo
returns 3:31
